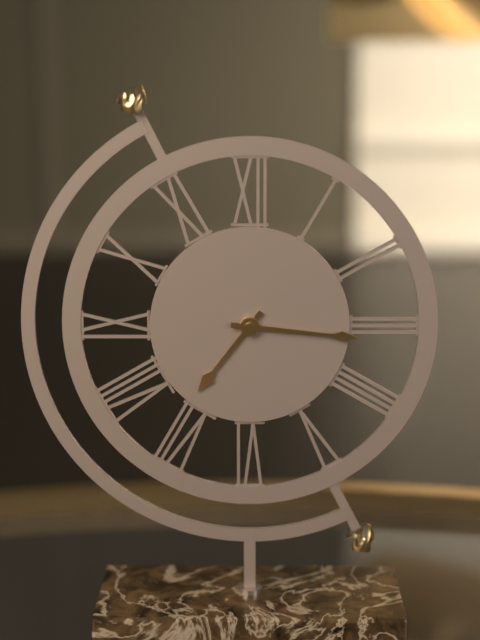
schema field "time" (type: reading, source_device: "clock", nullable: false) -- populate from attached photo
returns 7:16
